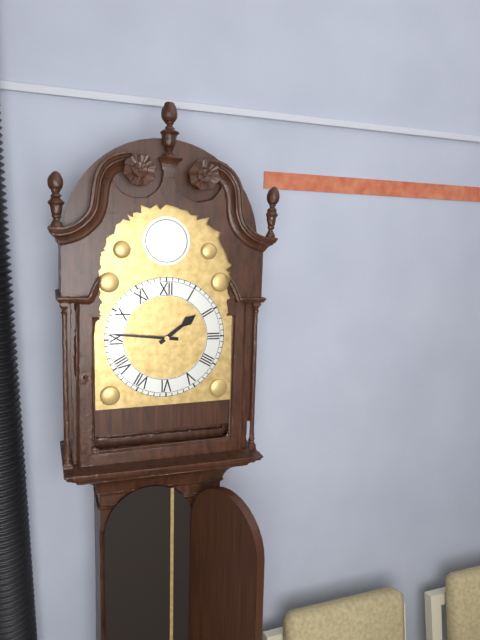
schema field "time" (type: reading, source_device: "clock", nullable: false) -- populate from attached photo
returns 1:46
